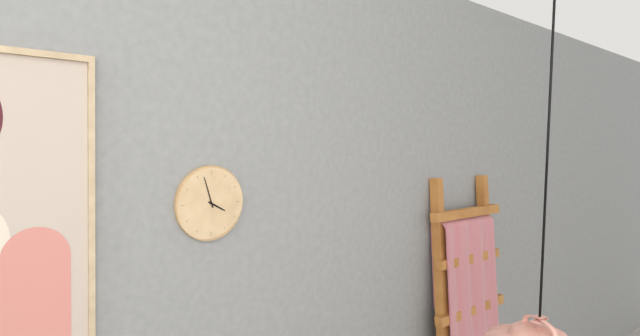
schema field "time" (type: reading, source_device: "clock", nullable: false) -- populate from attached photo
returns 3:57
